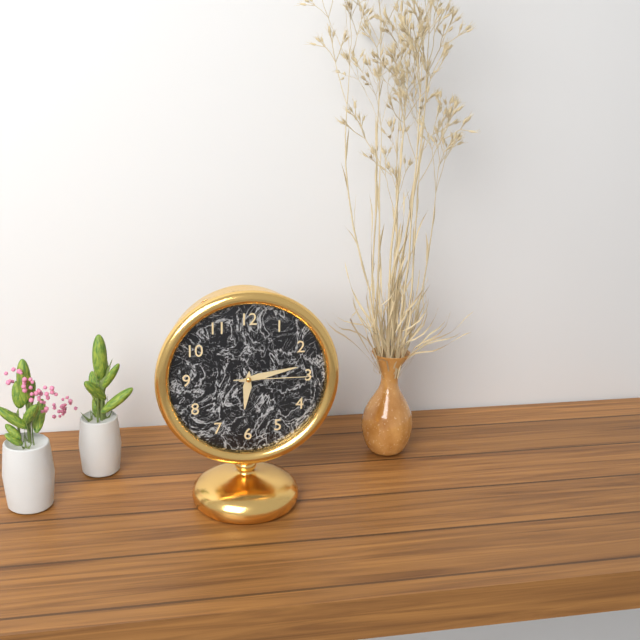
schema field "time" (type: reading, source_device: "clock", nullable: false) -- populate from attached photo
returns 6:13:15
